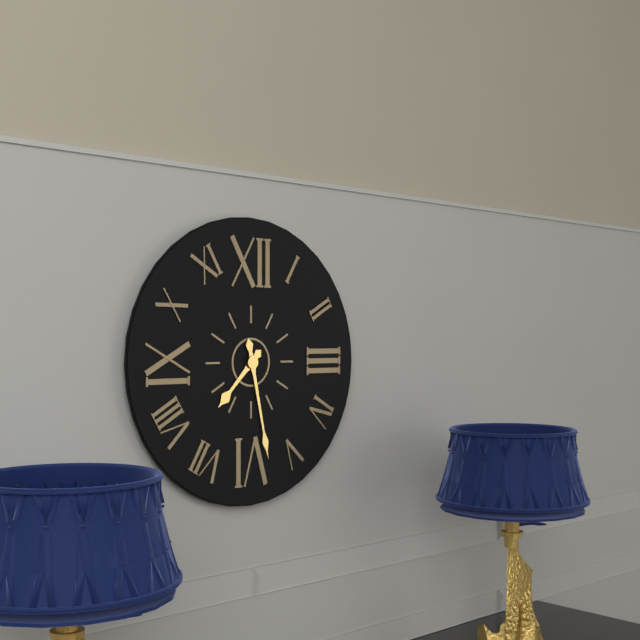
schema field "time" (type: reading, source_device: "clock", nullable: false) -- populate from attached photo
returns 7:28
